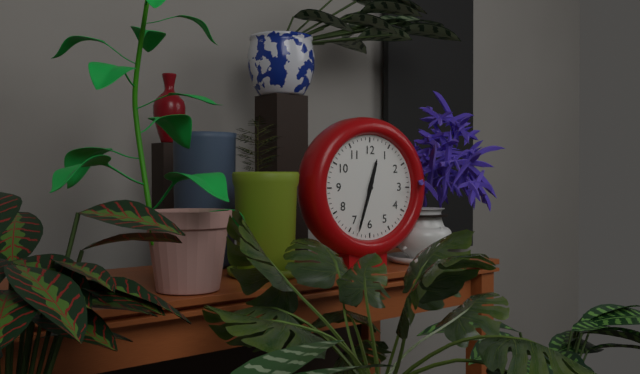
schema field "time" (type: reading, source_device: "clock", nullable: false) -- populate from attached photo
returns 12:33
